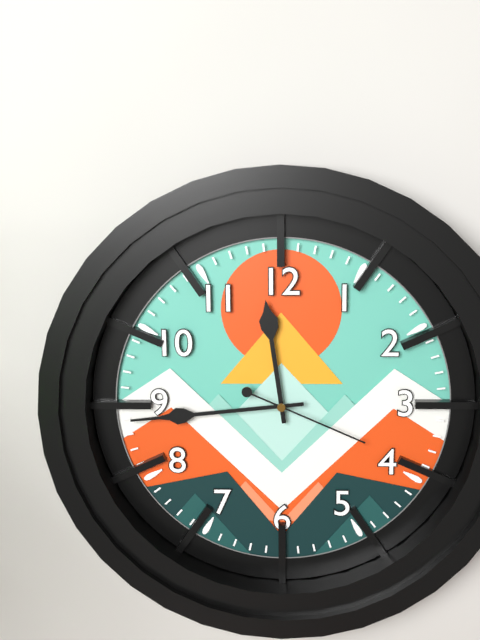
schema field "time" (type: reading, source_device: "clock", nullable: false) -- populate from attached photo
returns 11:44:19
